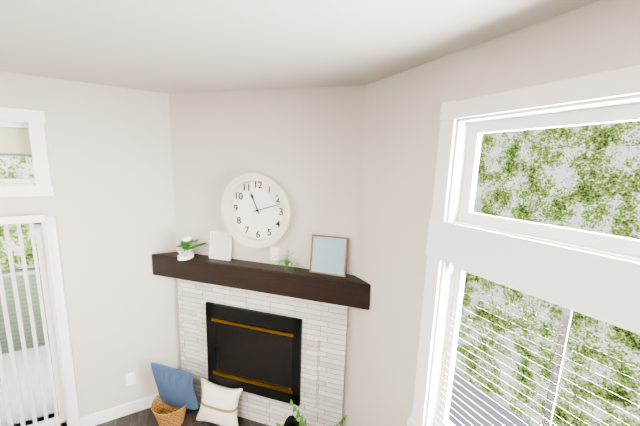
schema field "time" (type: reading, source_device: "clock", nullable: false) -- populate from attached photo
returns 11:12
